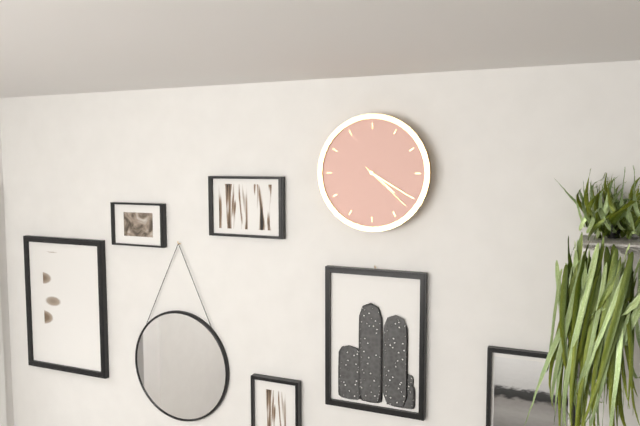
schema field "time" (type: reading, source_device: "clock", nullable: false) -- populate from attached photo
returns 4:20:22
